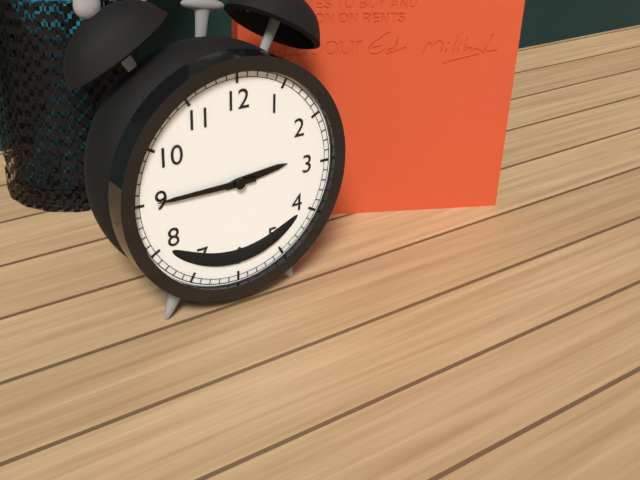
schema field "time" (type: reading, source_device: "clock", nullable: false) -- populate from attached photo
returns 2:45
